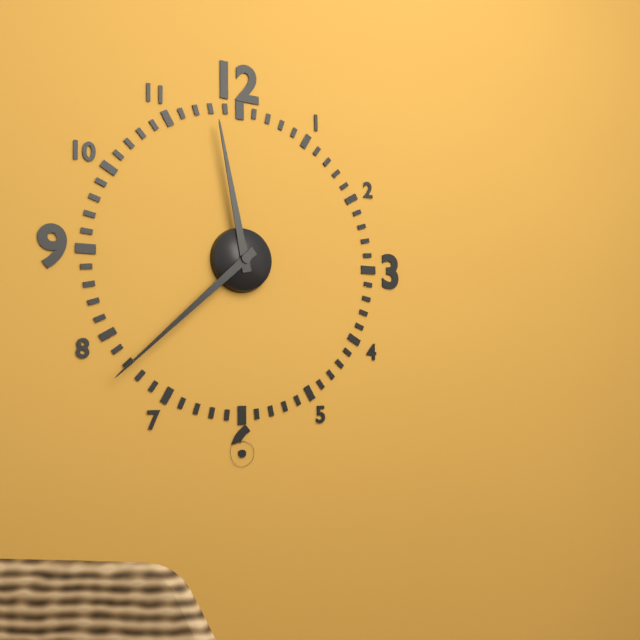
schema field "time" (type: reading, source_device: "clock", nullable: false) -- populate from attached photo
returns 11:38
